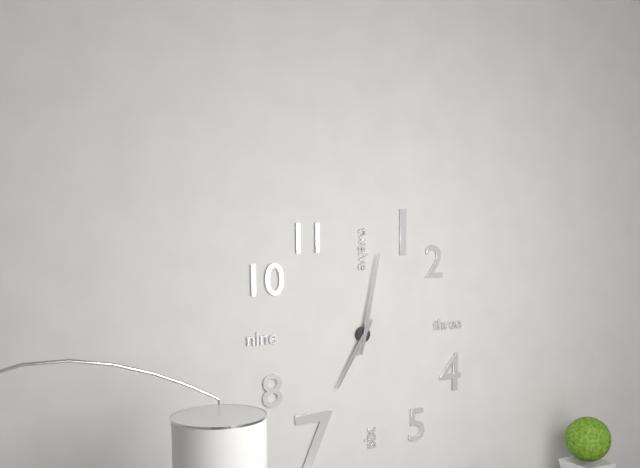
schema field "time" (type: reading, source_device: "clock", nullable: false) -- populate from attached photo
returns 7:02
